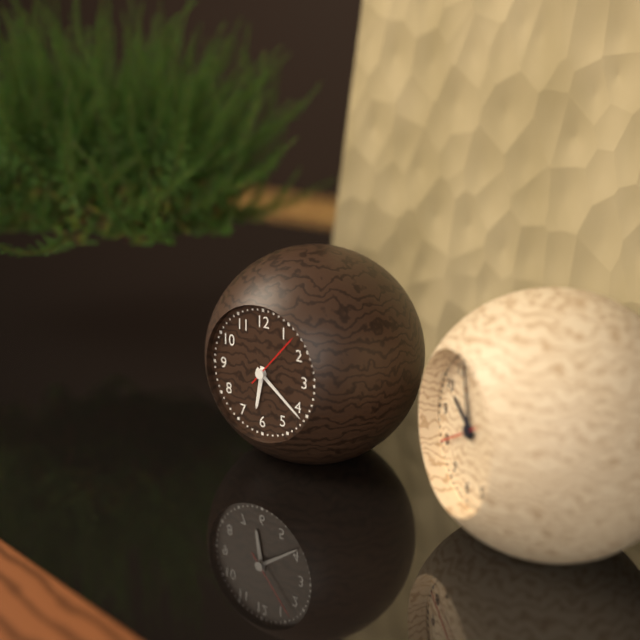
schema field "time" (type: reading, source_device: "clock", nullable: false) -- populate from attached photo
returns 6:21:07
